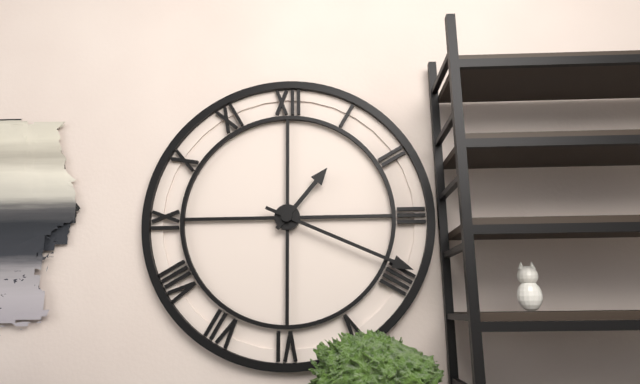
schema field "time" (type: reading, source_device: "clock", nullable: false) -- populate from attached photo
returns 1:19
